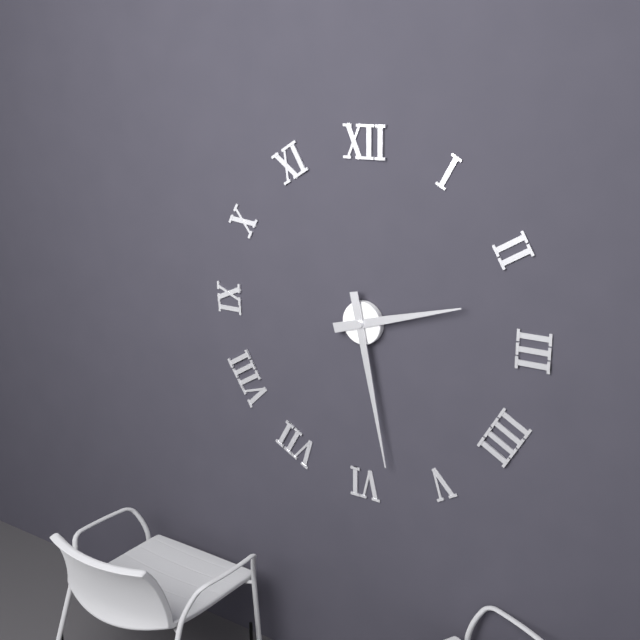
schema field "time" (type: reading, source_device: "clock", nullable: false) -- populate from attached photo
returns 2:28
